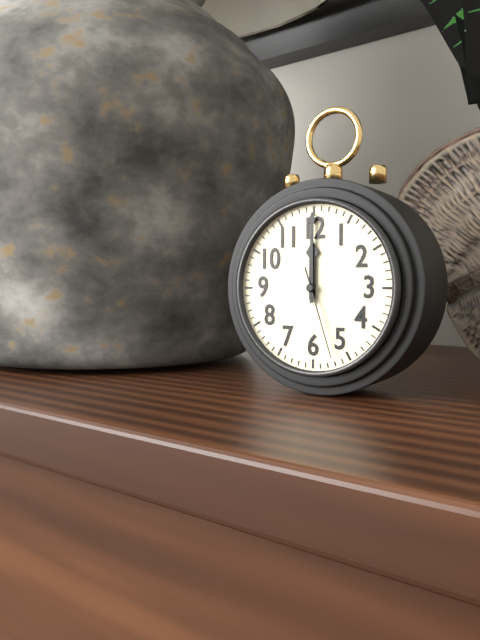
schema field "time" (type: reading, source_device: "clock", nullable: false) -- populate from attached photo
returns 12:00:27
